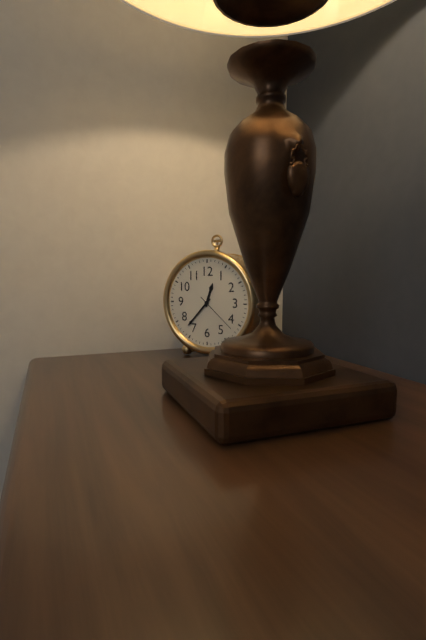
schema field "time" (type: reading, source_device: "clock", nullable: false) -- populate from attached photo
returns 12:37
